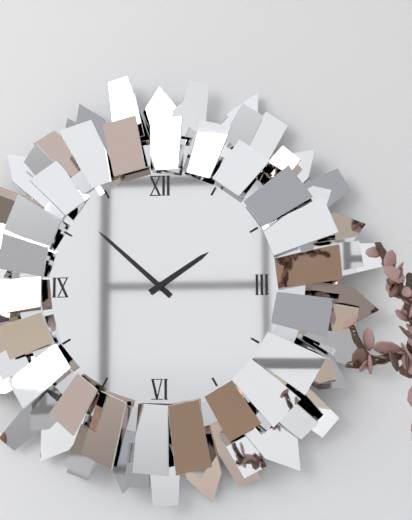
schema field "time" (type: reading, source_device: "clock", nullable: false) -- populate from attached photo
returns 1:52
